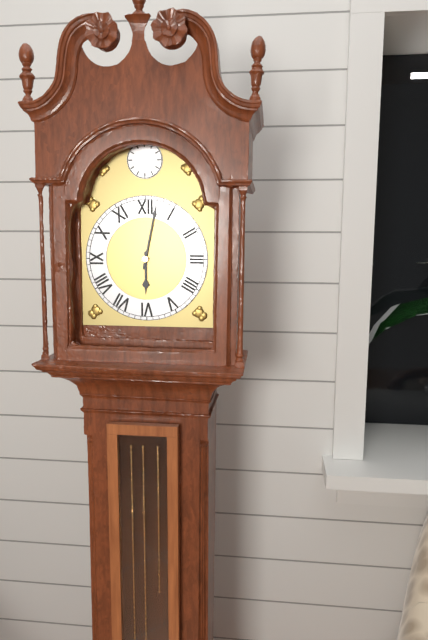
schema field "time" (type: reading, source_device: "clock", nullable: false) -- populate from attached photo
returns 6:02
